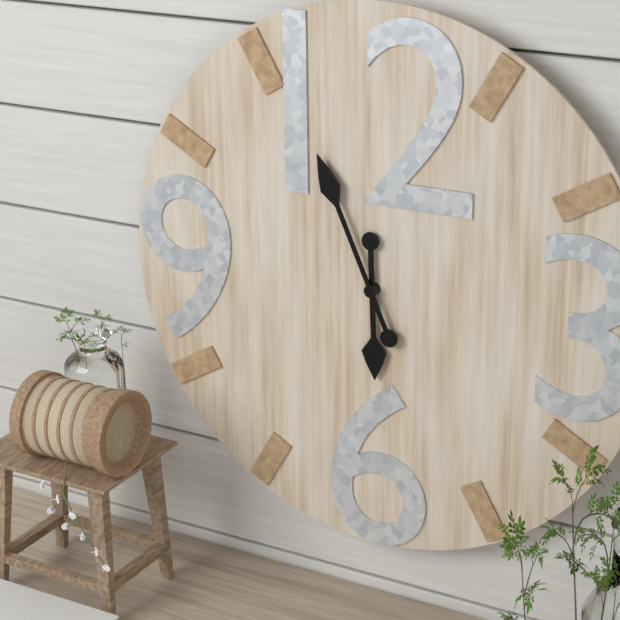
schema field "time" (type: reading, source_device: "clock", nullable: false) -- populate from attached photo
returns 5:56
